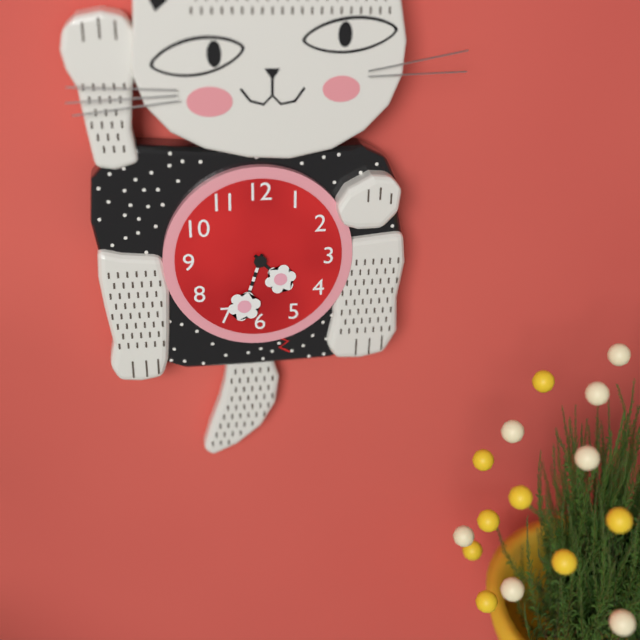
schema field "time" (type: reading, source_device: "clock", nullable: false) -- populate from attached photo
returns 4:33
